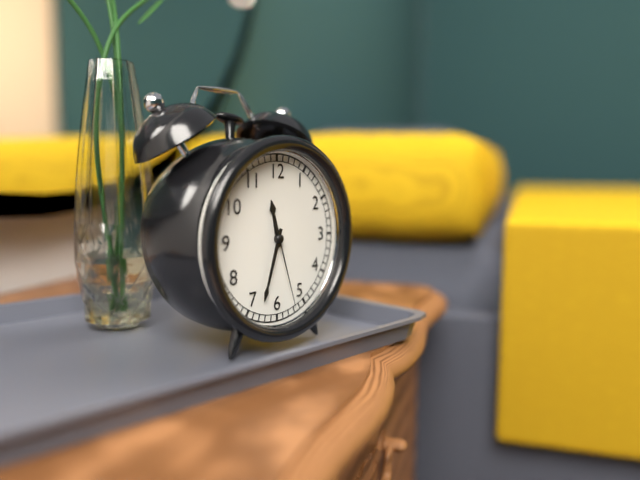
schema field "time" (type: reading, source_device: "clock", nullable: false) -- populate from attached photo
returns 11:33:27
